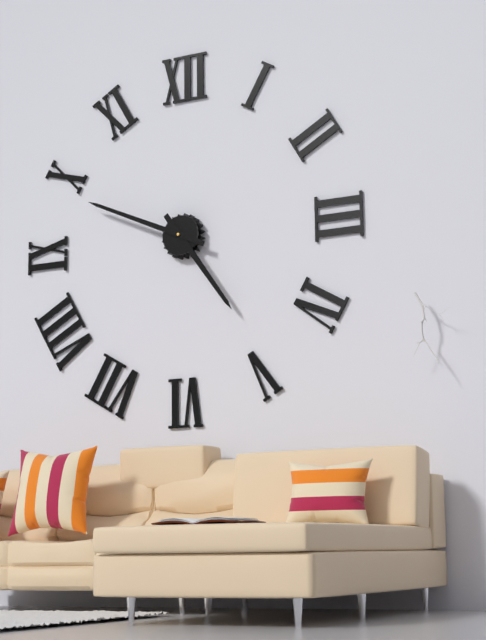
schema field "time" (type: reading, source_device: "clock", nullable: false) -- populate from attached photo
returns 4:49
